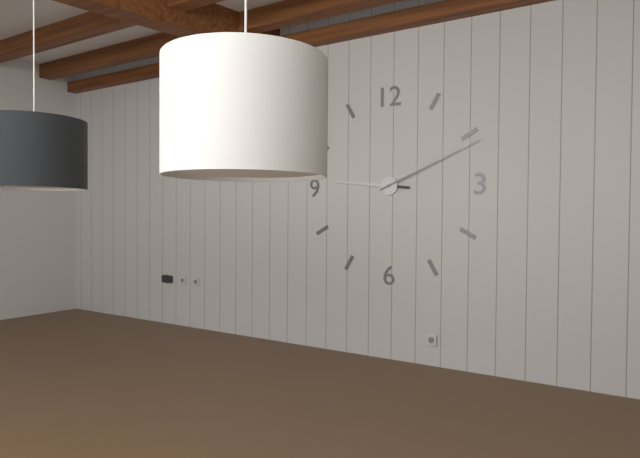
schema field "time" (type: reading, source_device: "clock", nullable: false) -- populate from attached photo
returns 9:11
